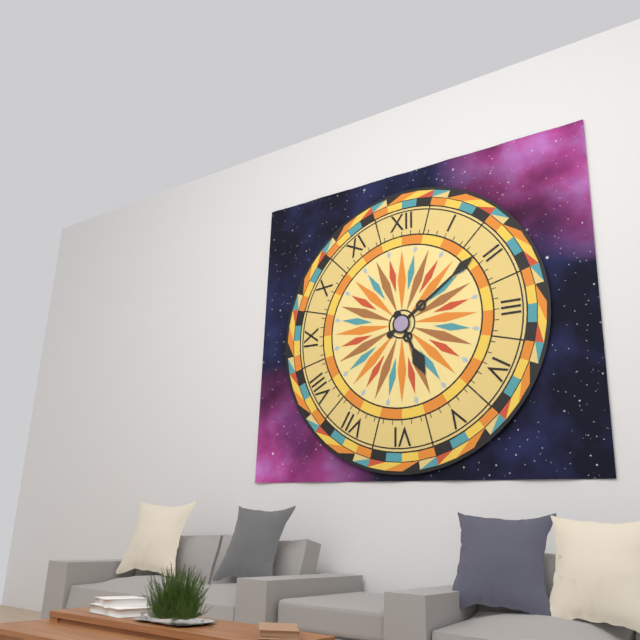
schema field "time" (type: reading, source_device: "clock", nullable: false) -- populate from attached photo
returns 5:09
